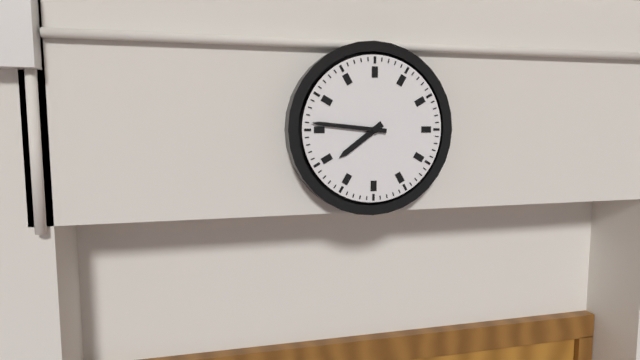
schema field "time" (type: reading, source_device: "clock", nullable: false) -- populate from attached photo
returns 7:46
